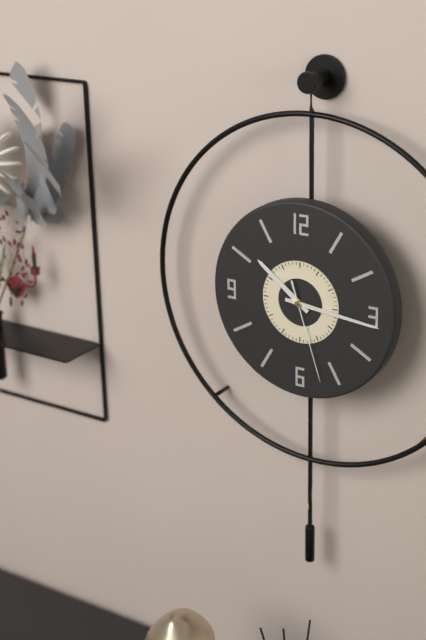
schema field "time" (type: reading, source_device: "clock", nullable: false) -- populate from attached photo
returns 10:16:27
